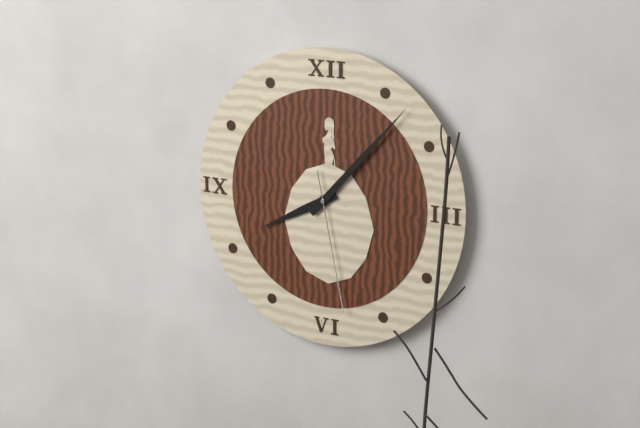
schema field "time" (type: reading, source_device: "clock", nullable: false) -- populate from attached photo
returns 8:07:28
